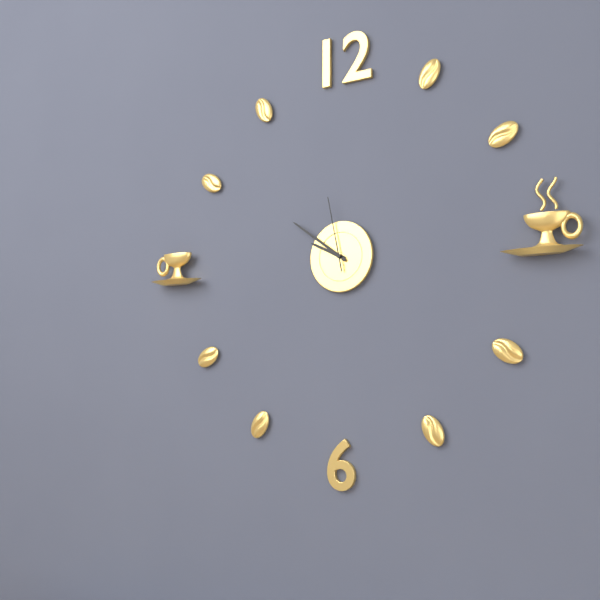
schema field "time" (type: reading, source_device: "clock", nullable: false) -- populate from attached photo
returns 9:51:58
